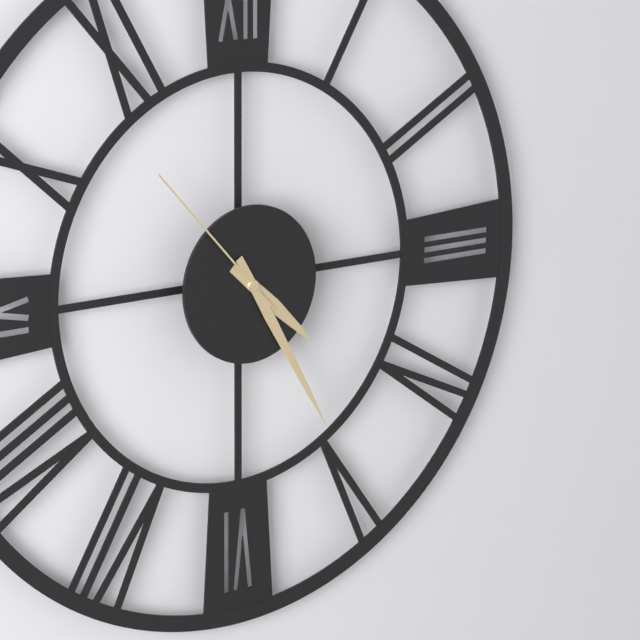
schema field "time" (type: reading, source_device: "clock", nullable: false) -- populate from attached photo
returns 4:25:53
